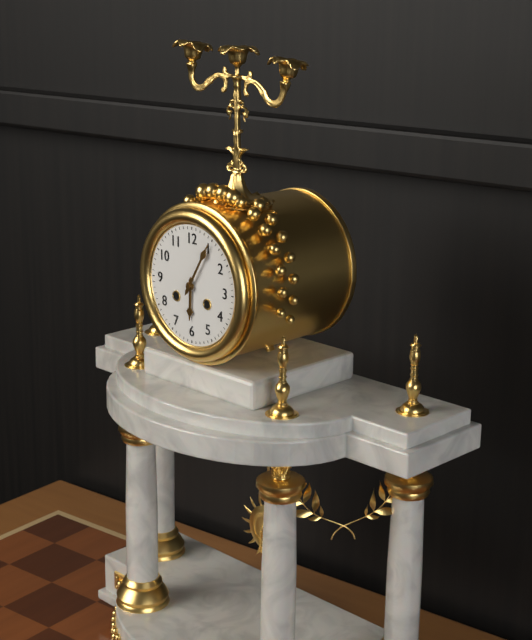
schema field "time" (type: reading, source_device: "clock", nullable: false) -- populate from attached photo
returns 6:05
